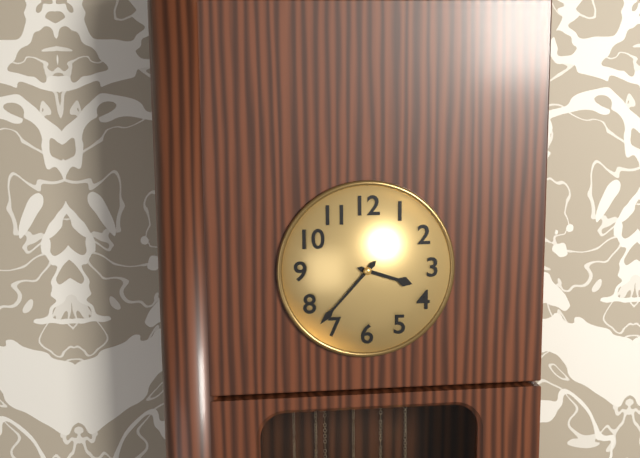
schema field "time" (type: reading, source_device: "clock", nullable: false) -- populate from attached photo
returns 3:37
